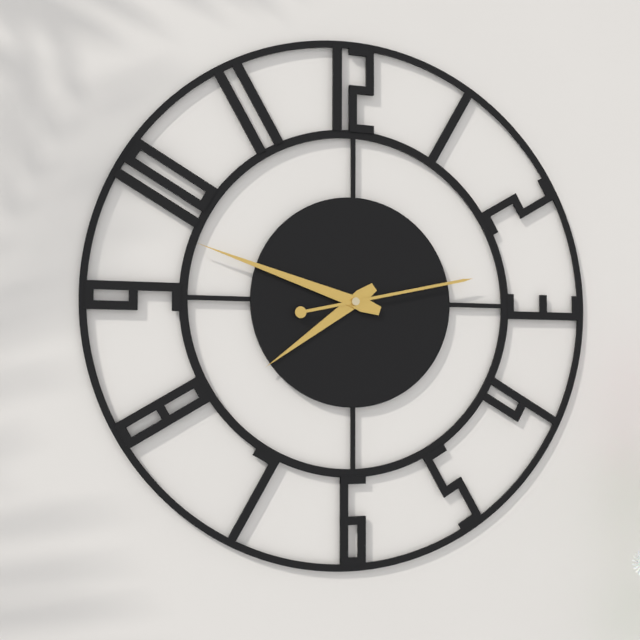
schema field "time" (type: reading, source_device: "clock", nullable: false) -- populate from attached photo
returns 7:48:13
